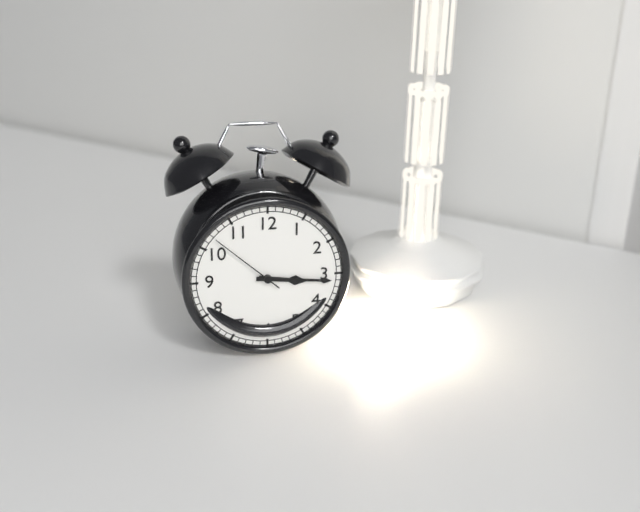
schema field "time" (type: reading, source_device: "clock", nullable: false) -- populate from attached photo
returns 3:16:52
